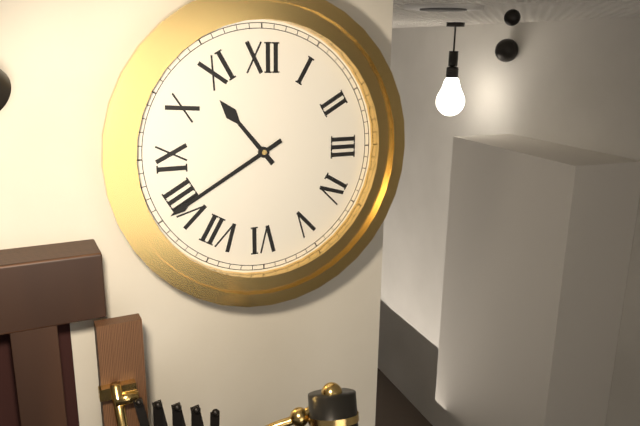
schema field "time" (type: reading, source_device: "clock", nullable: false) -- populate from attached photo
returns 10:40
